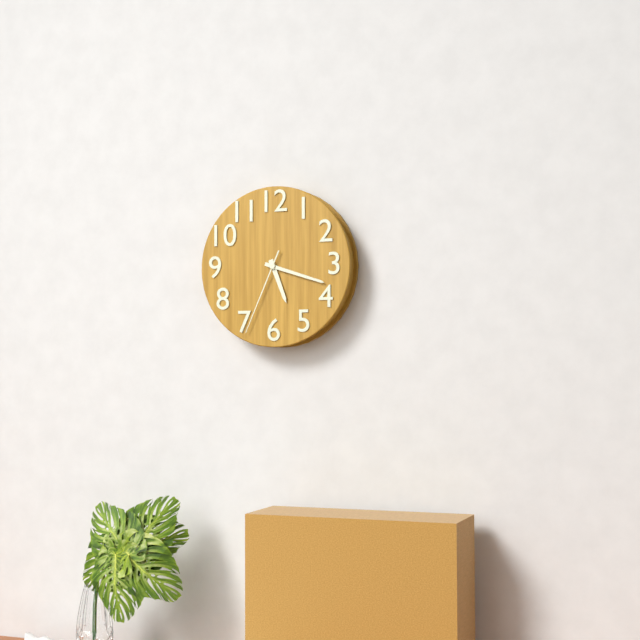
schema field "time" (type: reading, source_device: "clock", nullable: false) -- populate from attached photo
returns 5:18:34
